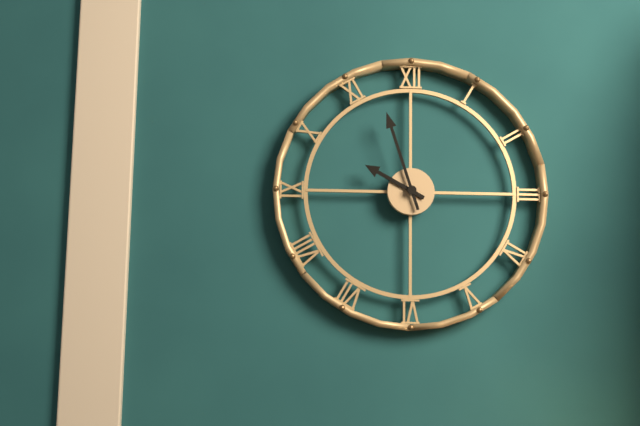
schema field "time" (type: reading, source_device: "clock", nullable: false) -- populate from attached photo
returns 9:57
